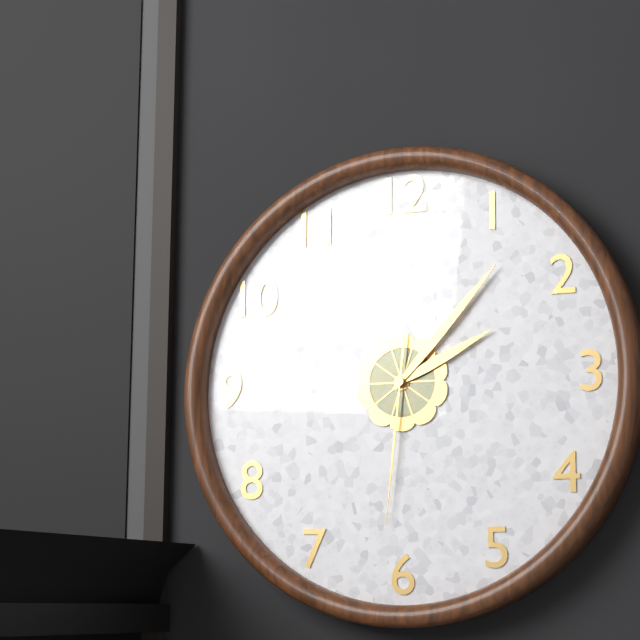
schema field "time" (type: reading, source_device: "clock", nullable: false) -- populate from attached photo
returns 2:07:31
